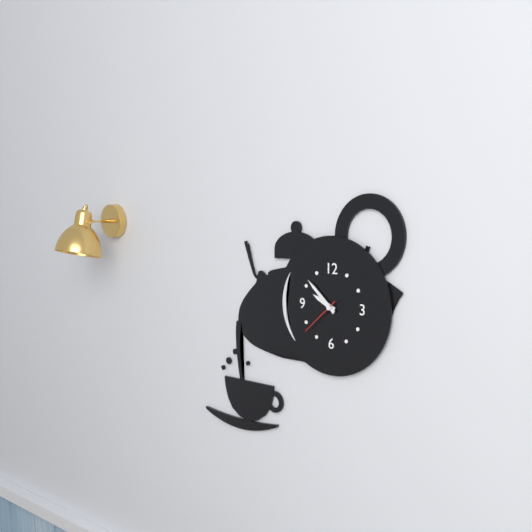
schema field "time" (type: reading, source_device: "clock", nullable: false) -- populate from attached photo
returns 9:52
